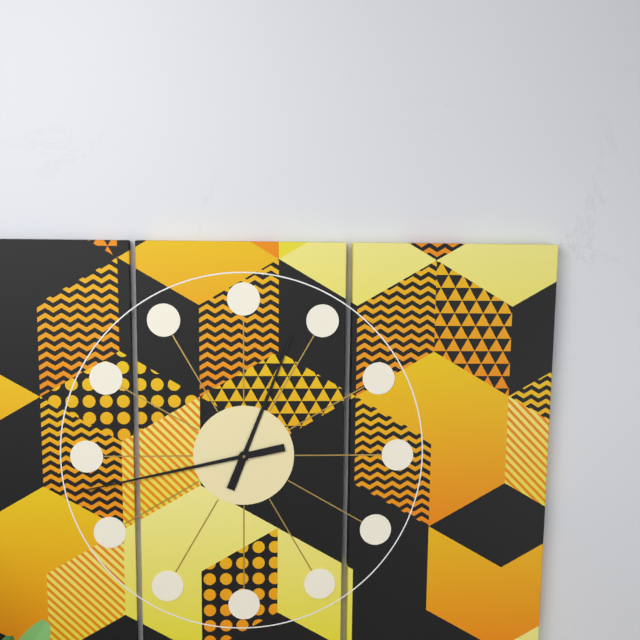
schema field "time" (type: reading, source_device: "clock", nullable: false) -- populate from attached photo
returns 12:43
